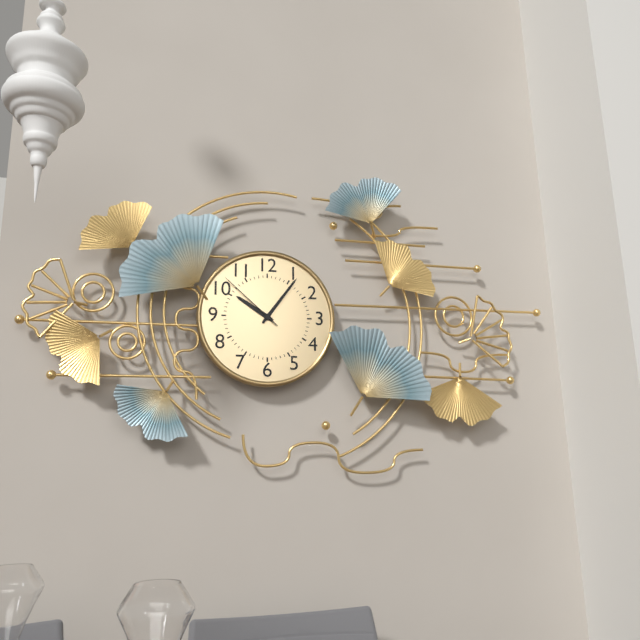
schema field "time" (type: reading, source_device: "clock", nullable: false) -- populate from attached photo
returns 10:06:52
